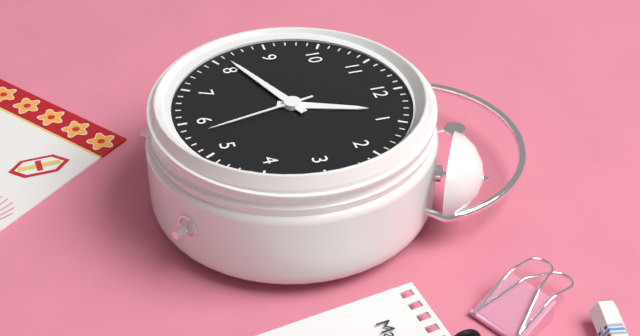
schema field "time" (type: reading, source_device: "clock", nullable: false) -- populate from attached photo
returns 12:41:28
